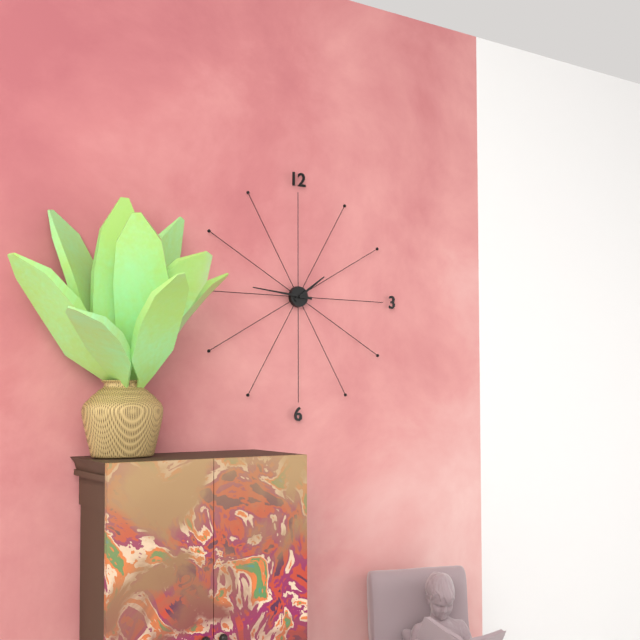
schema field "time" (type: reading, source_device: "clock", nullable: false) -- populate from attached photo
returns 1:46
